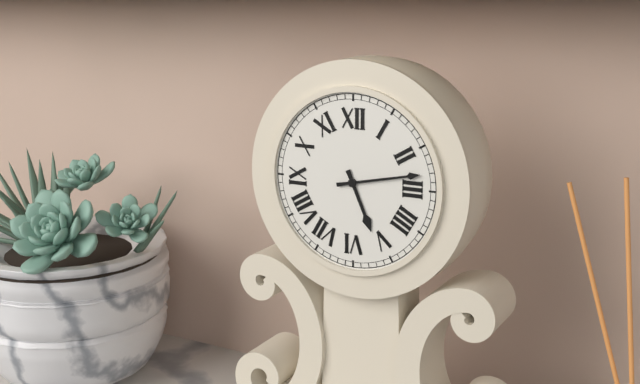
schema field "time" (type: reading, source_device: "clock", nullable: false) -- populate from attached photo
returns 5:13
